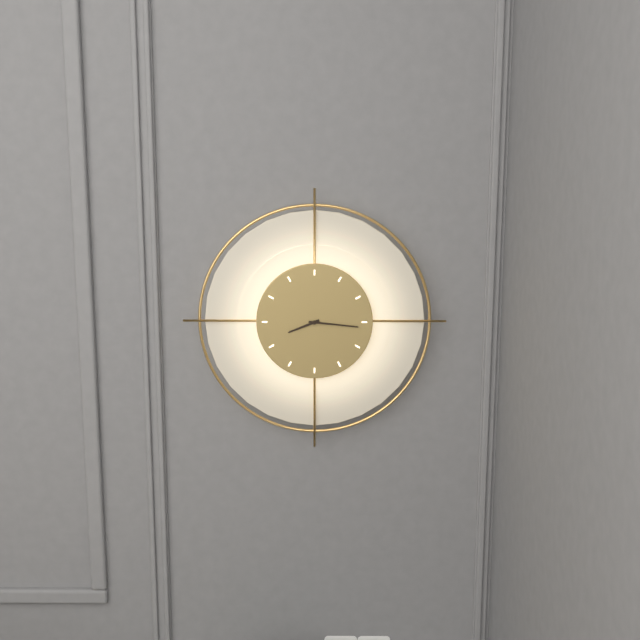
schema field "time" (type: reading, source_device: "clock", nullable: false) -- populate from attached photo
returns 8:16
